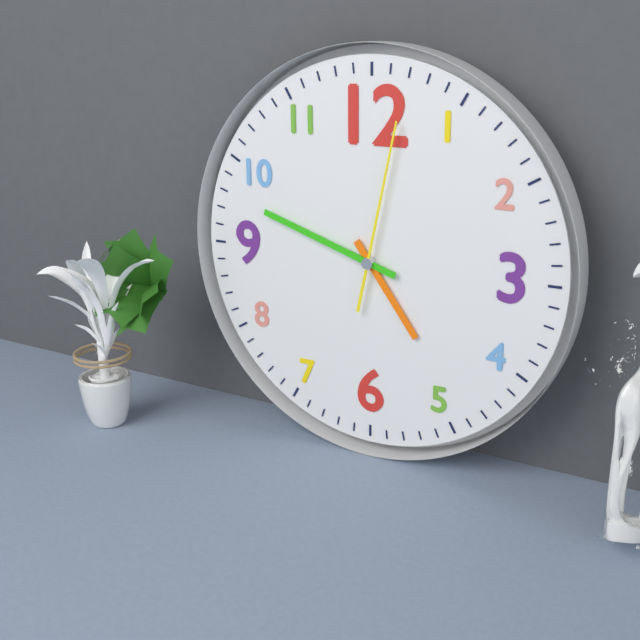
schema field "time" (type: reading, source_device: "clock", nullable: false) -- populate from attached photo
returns 4:48:02
